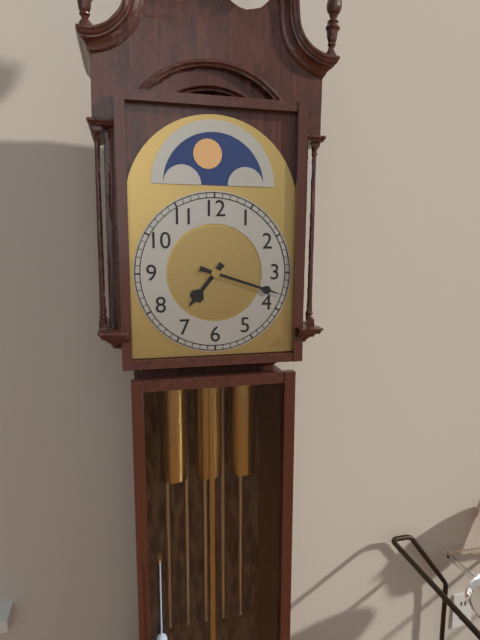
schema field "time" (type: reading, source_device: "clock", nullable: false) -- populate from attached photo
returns 7:18
